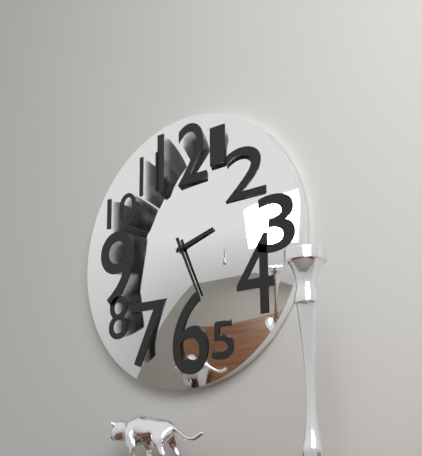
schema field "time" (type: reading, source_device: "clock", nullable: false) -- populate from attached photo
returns 2:26
